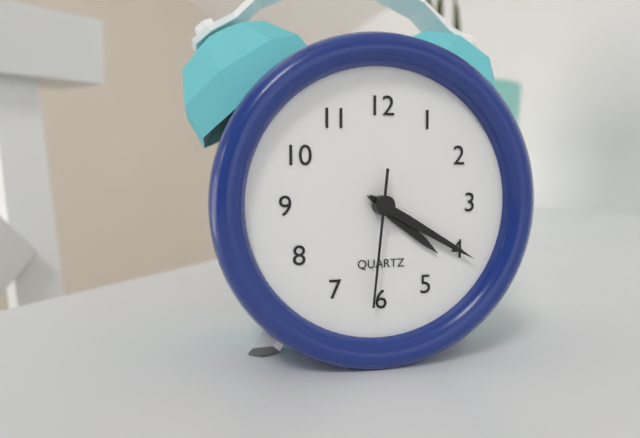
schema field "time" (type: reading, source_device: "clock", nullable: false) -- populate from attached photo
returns 4:20:31
